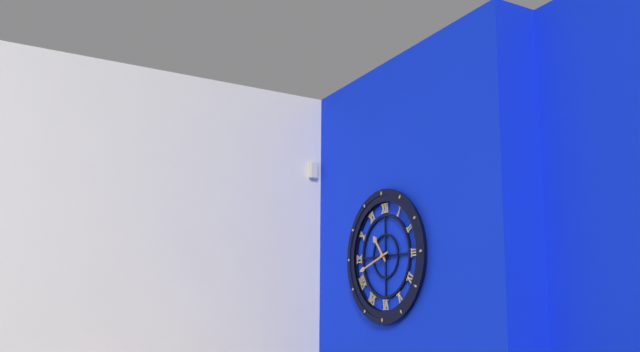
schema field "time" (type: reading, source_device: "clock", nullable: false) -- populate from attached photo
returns 10:42
